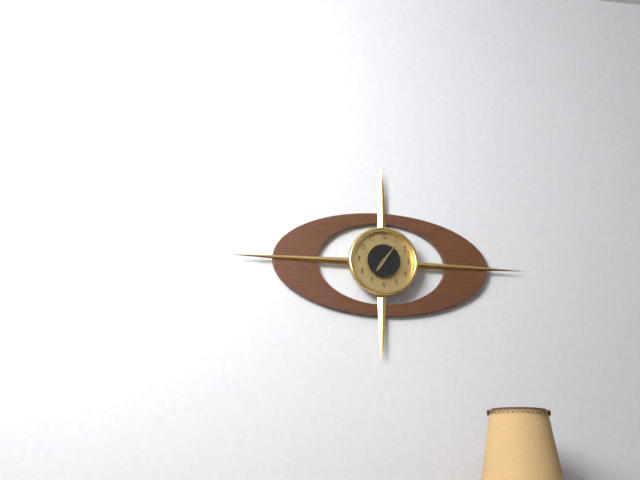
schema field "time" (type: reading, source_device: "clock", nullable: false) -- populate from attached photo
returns 7:06
